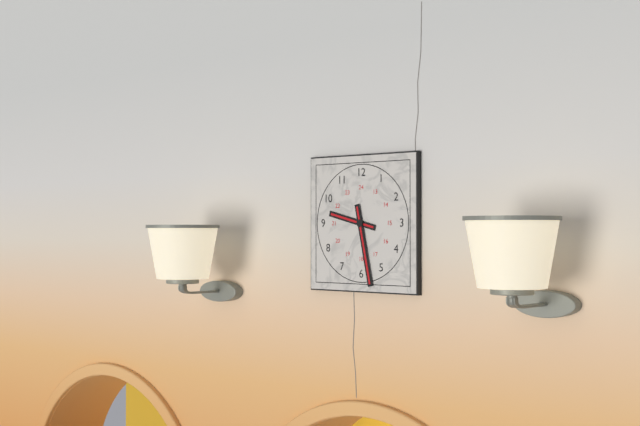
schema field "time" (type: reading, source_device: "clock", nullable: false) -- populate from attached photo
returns 9:28
